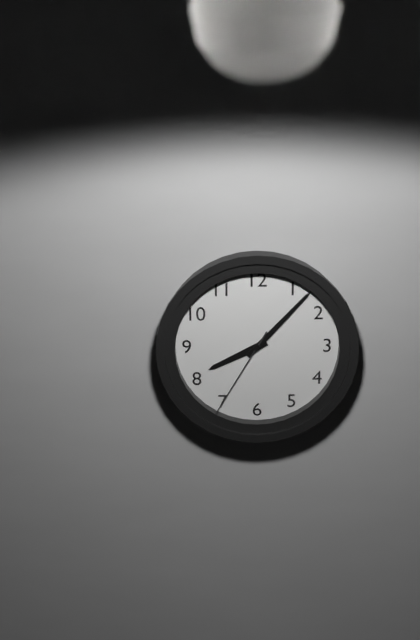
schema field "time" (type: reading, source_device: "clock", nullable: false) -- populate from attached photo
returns 8:07:35
